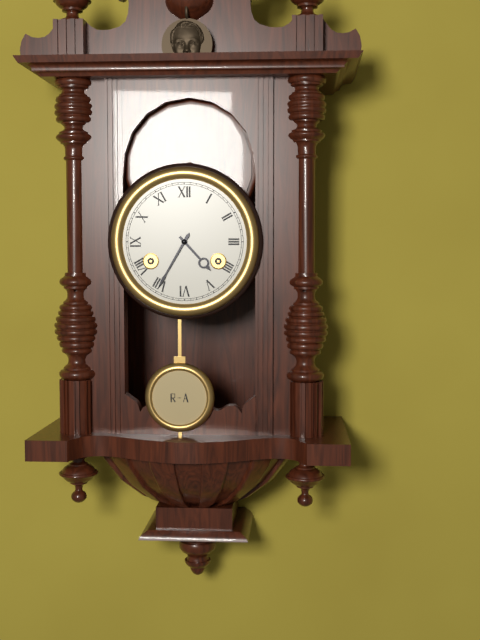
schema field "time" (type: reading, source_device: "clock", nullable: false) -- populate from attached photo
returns 4:35
